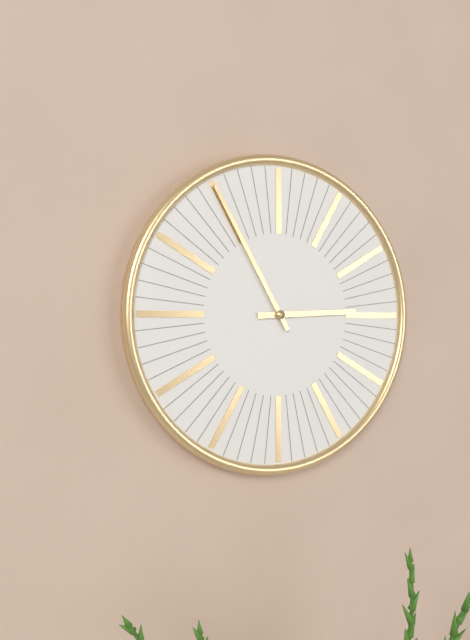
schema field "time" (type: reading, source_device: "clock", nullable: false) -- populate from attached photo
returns 2:55
